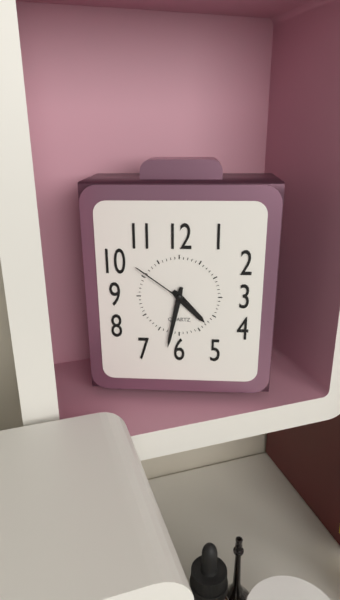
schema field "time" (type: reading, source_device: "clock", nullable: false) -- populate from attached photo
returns 4:32:51
